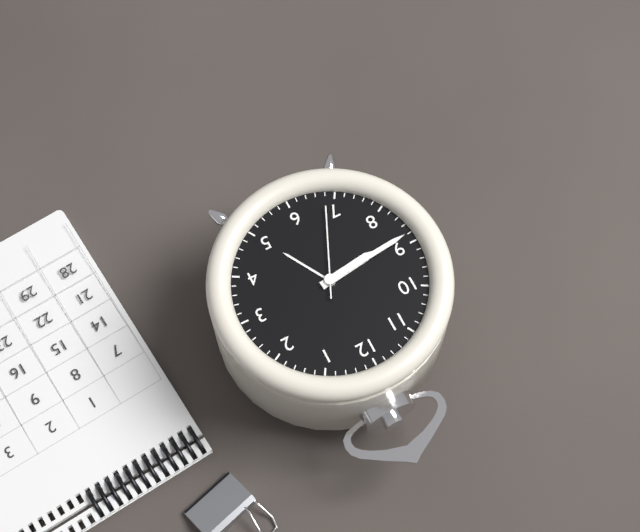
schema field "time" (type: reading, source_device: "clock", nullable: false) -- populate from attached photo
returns 8:44:34
